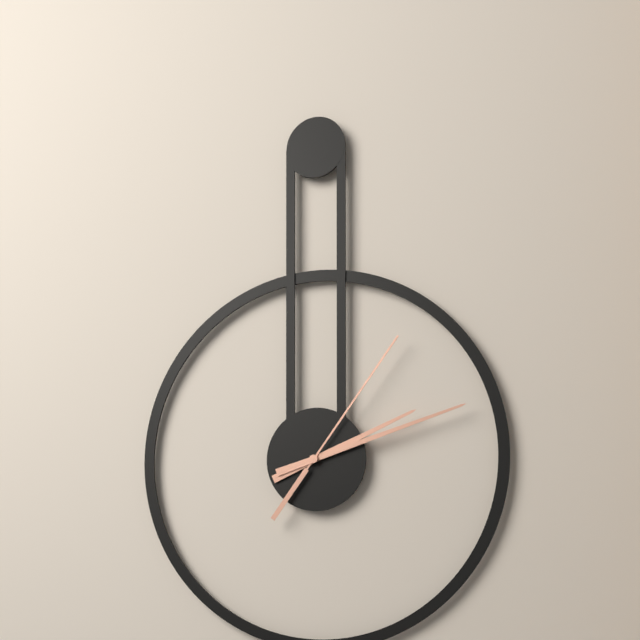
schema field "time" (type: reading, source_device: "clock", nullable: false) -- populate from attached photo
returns 2:12:06
